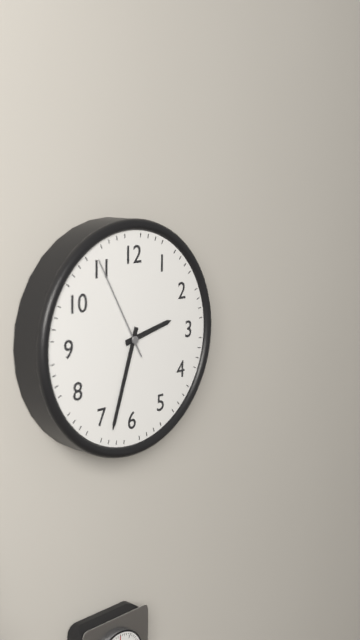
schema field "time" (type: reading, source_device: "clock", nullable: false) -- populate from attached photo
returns 2:33:55
